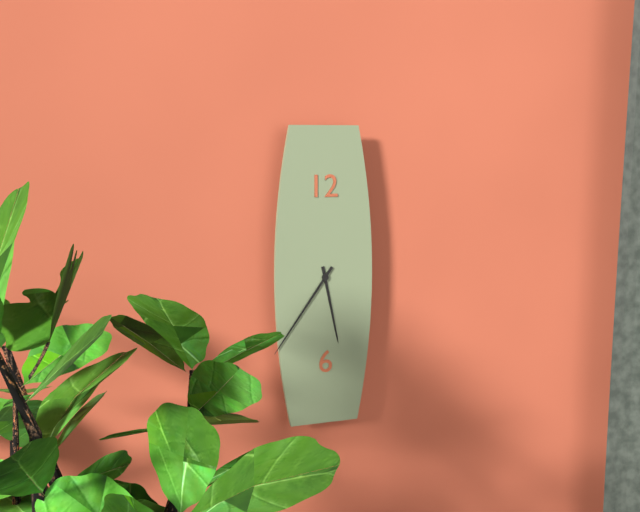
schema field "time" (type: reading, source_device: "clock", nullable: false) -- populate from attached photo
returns 5:36
